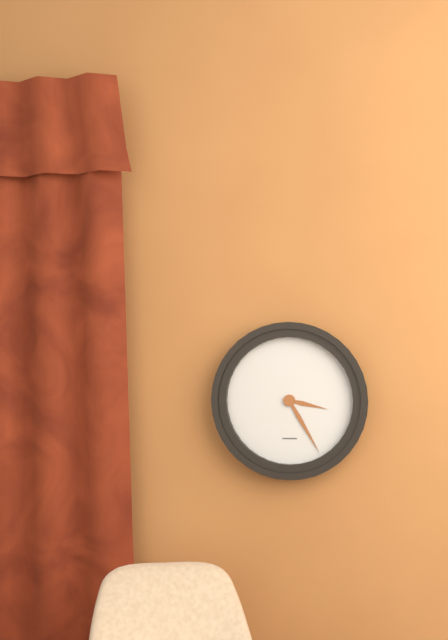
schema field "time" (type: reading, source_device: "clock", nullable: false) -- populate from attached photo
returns 3:25
